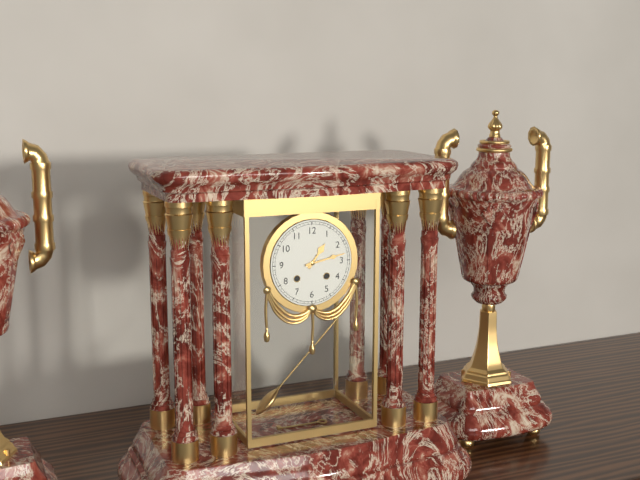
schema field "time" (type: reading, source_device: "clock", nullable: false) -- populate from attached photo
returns 1:13
